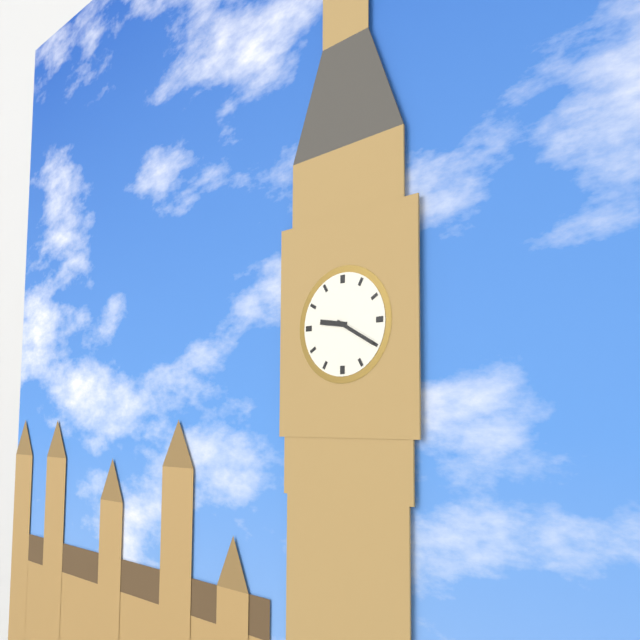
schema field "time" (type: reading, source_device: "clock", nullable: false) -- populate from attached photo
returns 9:20
